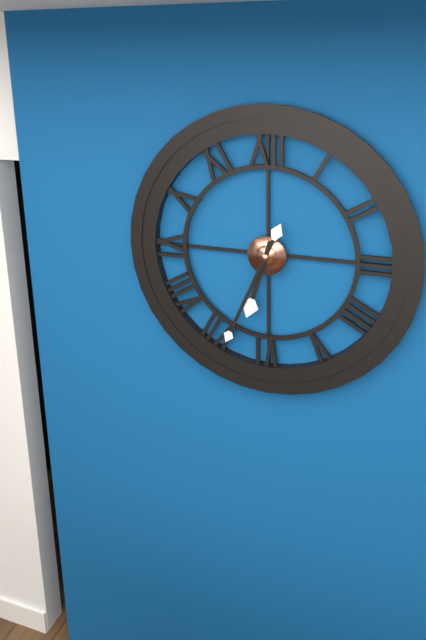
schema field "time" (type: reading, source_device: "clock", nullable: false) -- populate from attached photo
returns 6:34
